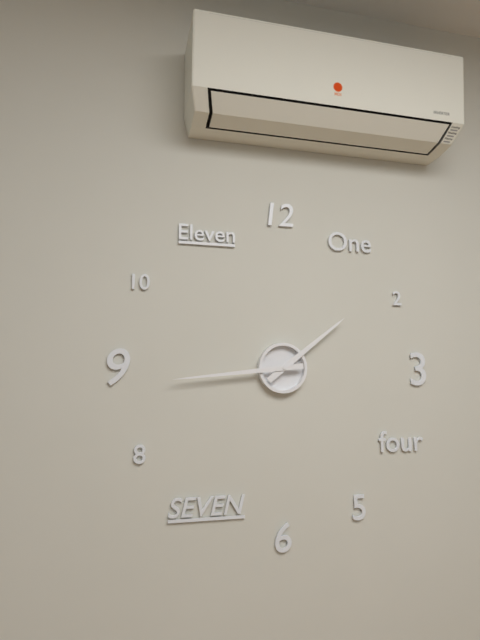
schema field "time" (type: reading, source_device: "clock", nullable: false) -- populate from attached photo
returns 1:44
